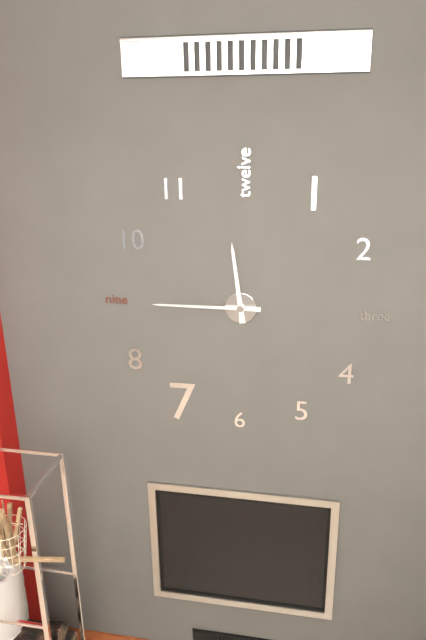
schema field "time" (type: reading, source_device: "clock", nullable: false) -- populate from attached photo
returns 11:45
